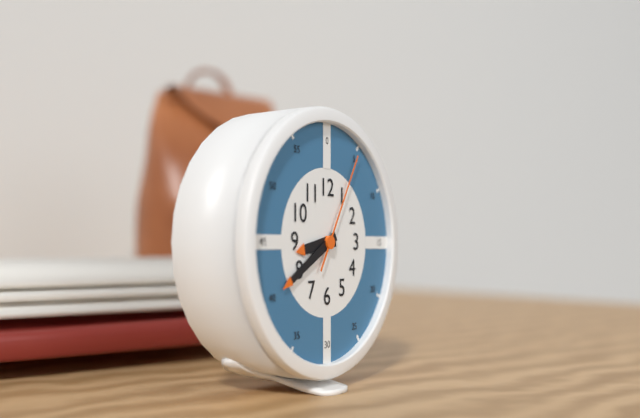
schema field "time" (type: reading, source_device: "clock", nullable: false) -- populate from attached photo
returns 8:40:05
